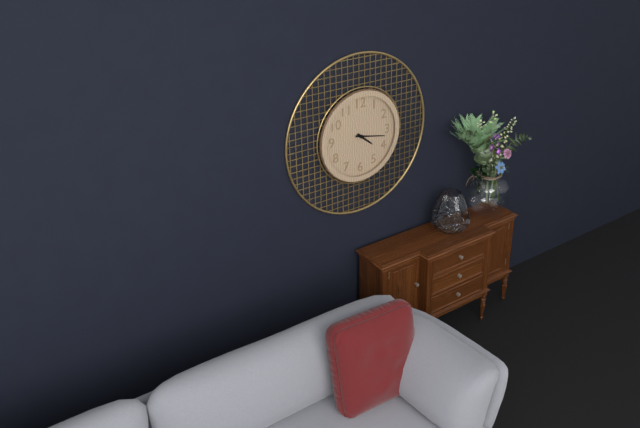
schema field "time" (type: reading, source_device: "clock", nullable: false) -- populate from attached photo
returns 4:17
